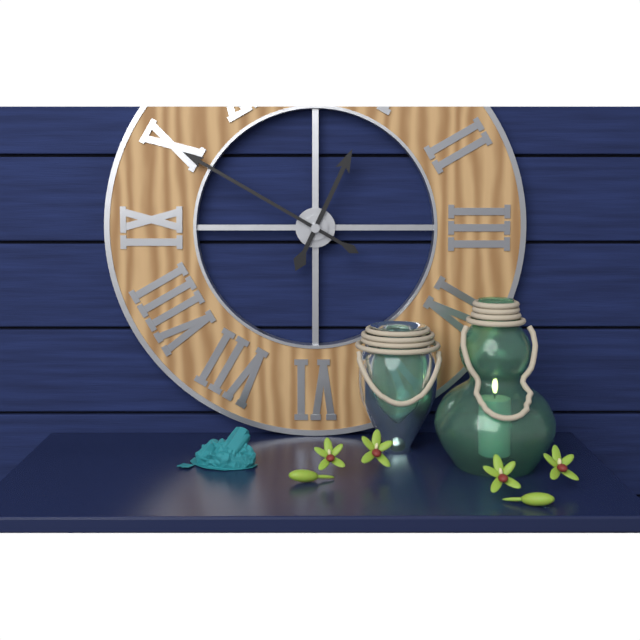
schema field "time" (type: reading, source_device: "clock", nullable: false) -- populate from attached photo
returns 12:50
